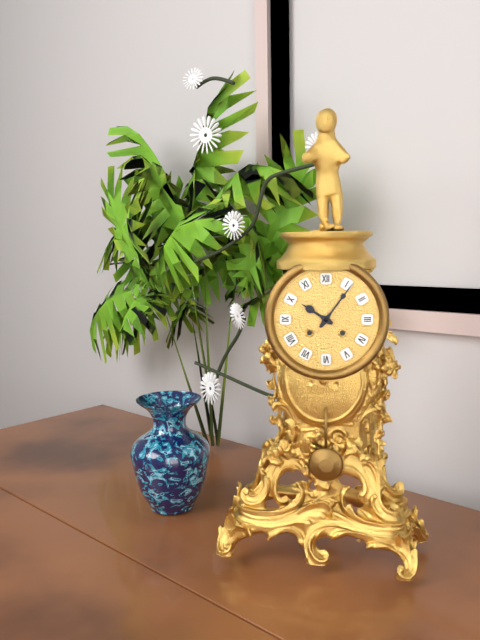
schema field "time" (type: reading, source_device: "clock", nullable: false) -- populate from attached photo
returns 10:06
